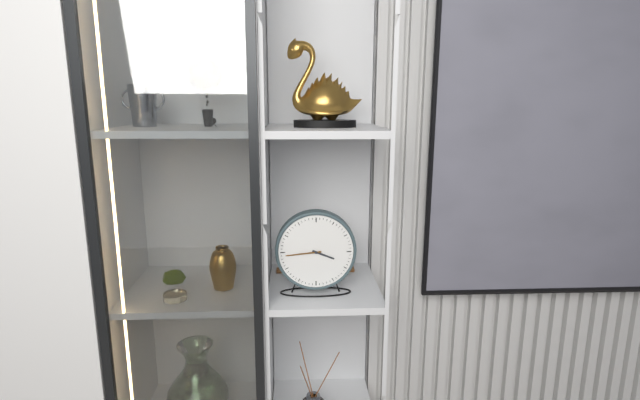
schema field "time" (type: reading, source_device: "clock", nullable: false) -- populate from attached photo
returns 3:44
